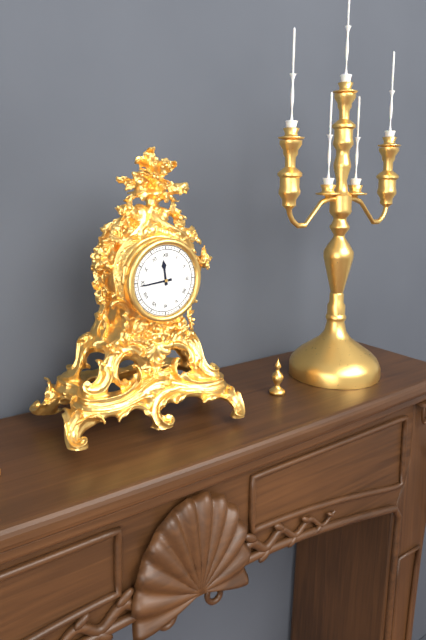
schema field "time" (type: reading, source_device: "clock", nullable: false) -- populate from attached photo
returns 11:44
